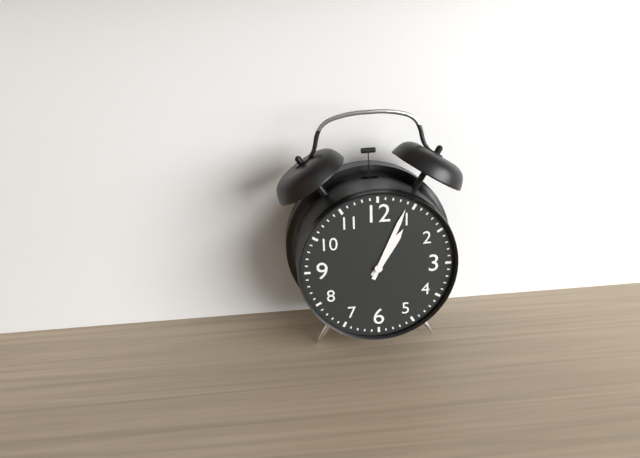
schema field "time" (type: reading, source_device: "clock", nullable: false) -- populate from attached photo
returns 1:04
